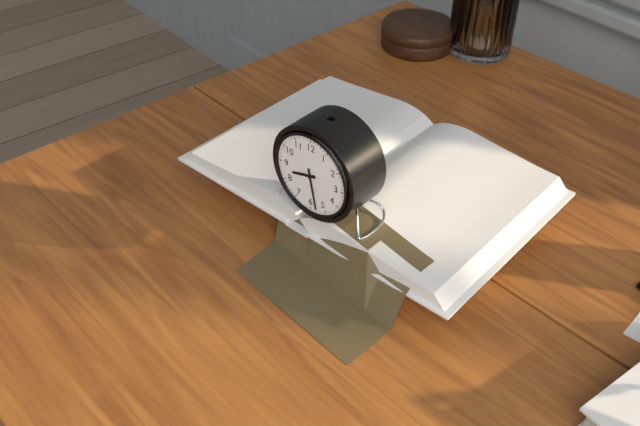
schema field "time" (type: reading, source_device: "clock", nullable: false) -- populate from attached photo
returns 8:28
